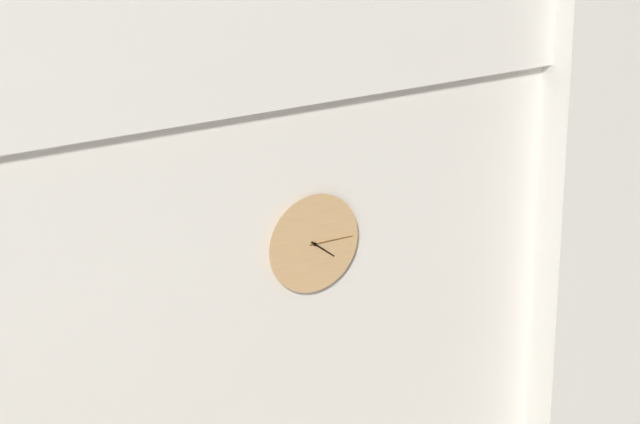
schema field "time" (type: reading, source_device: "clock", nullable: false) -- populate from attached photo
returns 4:15
